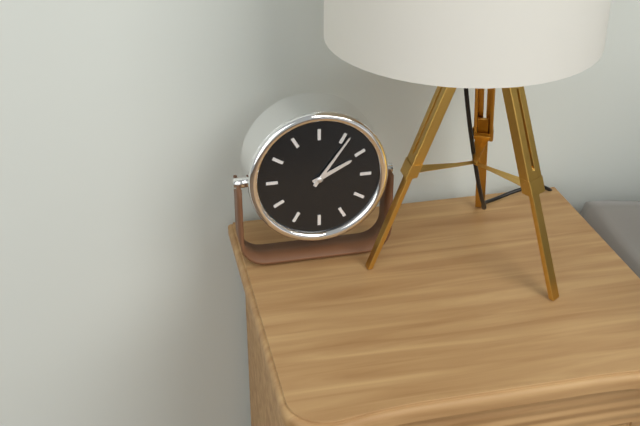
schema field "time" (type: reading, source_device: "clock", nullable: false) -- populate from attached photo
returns 2:06
